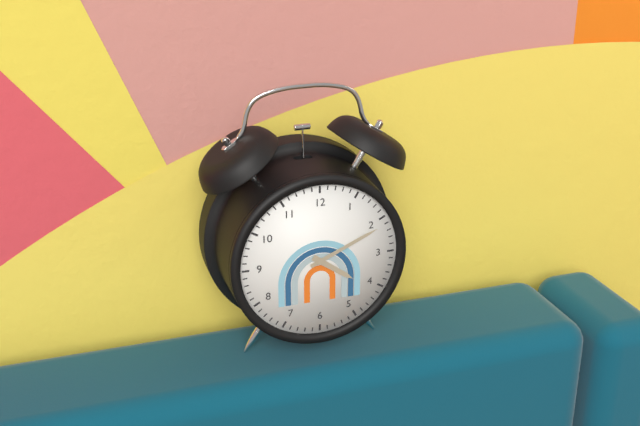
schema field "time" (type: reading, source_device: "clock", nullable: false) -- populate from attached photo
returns 4:11
